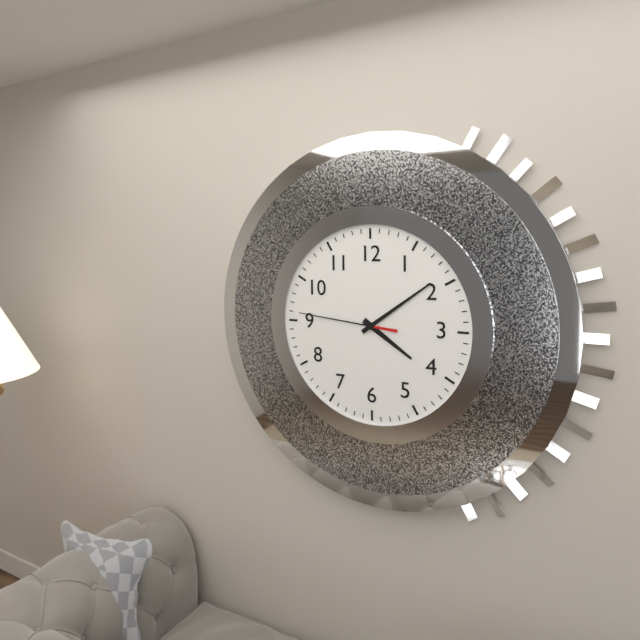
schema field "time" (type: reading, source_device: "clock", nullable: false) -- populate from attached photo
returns 4:09:46
